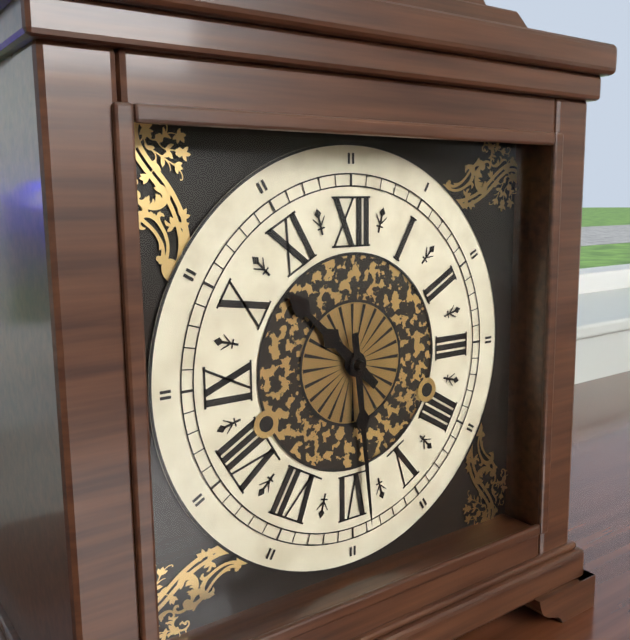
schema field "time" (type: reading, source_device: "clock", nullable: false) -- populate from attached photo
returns 10:29
